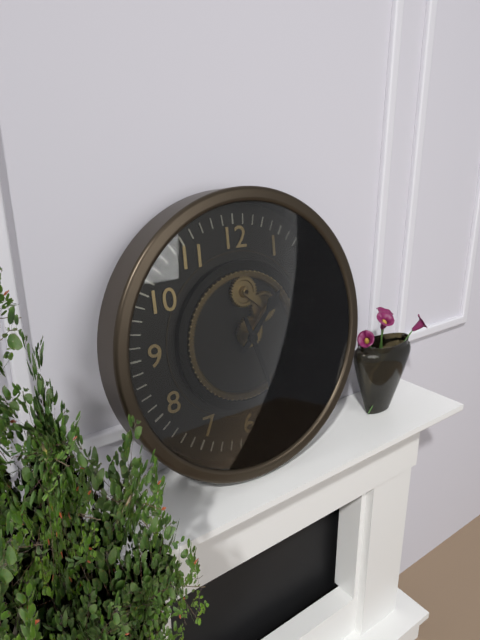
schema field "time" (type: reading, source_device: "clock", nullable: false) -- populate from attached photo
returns 1:27
